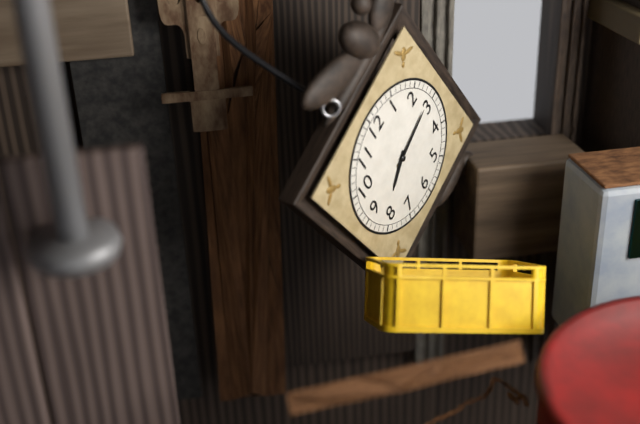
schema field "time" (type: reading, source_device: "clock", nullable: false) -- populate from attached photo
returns 8:14
